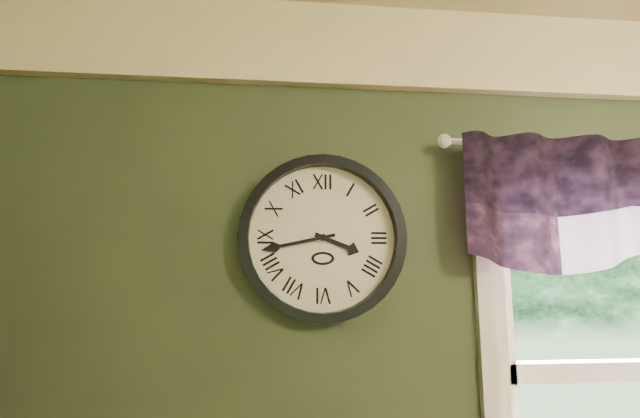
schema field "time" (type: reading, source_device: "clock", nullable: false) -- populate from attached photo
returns 3:43
